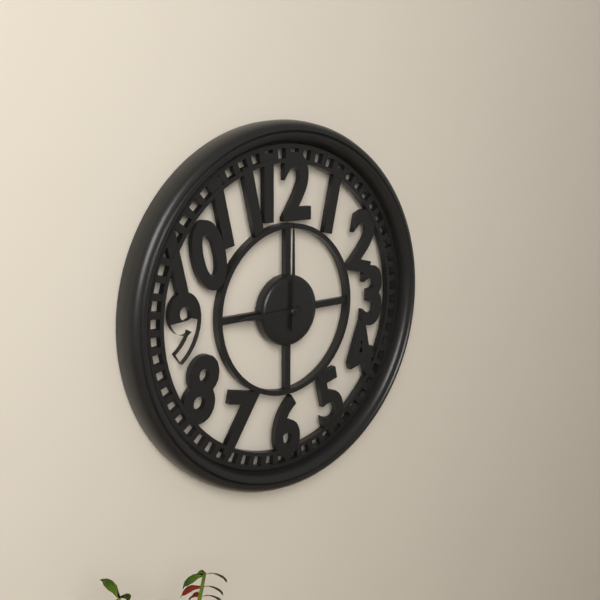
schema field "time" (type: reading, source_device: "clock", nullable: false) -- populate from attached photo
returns 9:00
